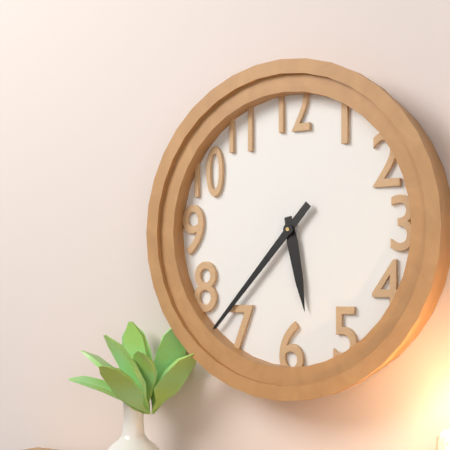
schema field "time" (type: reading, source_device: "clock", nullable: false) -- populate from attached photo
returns 5:37
